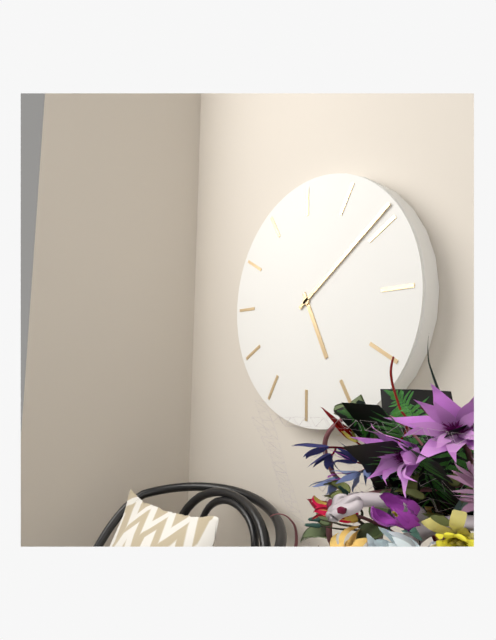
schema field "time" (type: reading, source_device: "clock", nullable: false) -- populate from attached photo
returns 5:09
